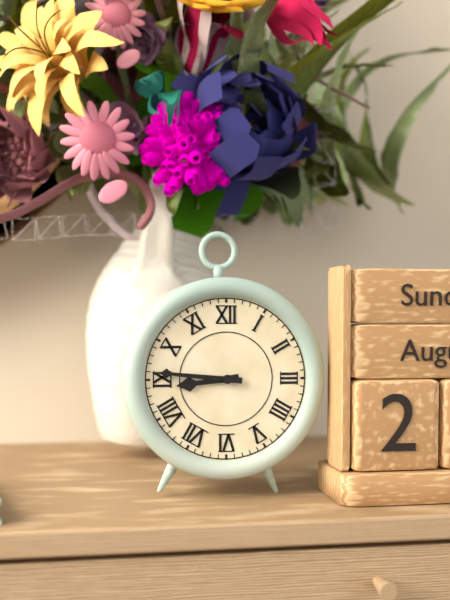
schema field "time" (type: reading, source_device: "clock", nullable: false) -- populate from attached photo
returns 8:46
